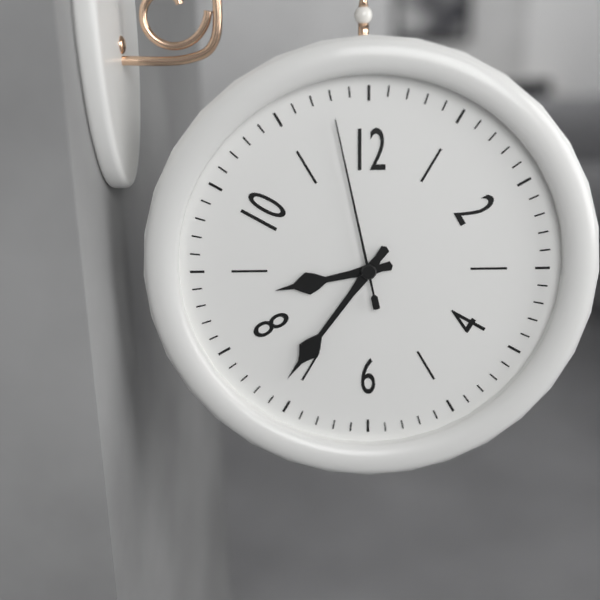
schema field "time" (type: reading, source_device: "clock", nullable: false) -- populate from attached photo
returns 8:36:58
